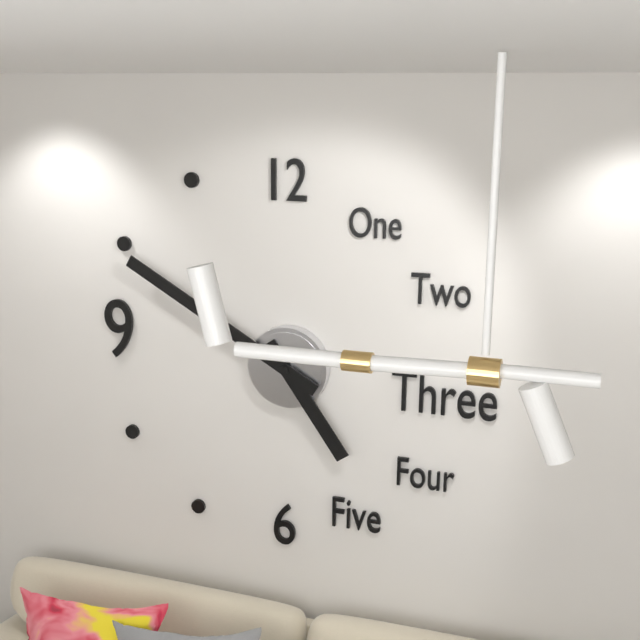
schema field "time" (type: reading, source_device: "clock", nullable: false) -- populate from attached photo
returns 4:50
